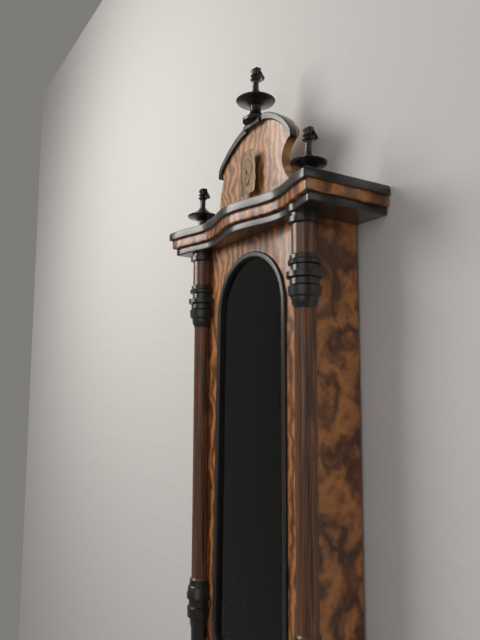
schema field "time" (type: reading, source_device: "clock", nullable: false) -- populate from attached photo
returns 1:01
